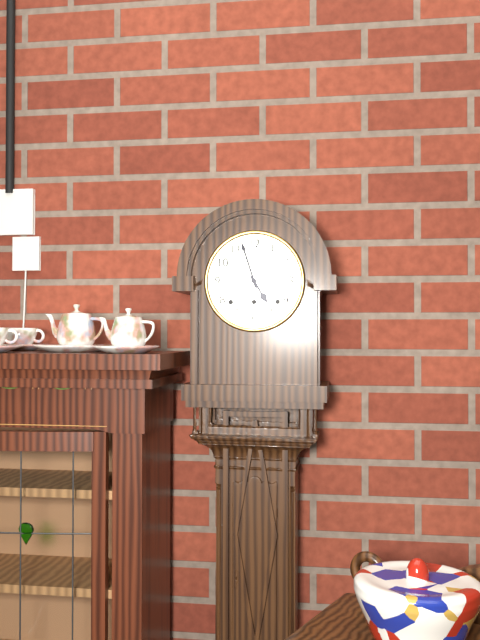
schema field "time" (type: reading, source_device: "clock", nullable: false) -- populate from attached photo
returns 4:57
